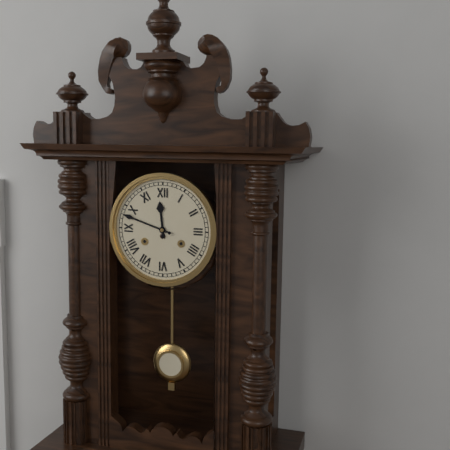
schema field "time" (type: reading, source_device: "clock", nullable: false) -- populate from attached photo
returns 11:48
